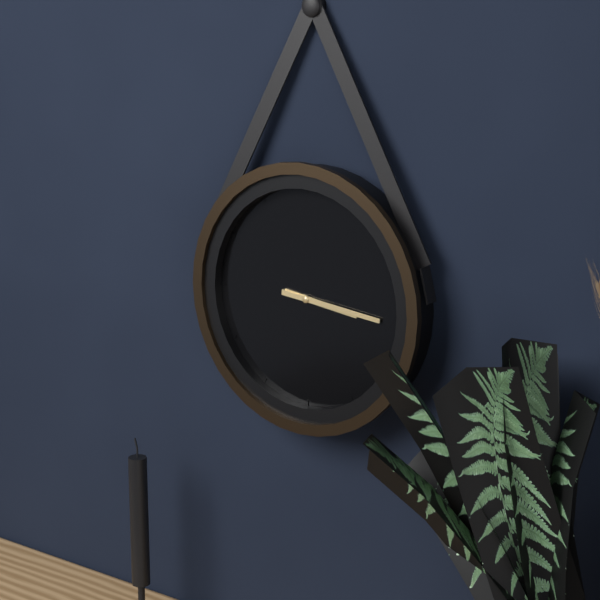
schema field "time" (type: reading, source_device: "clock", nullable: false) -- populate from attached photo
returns 3:16
